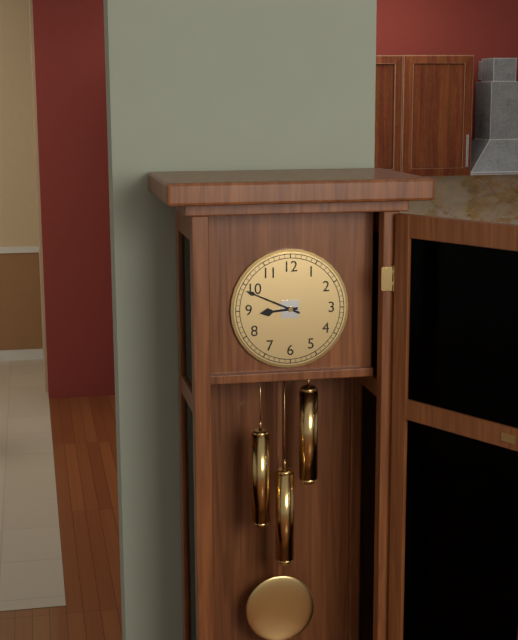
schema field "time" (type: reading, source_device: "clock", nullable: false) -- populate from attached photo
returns 8:49
